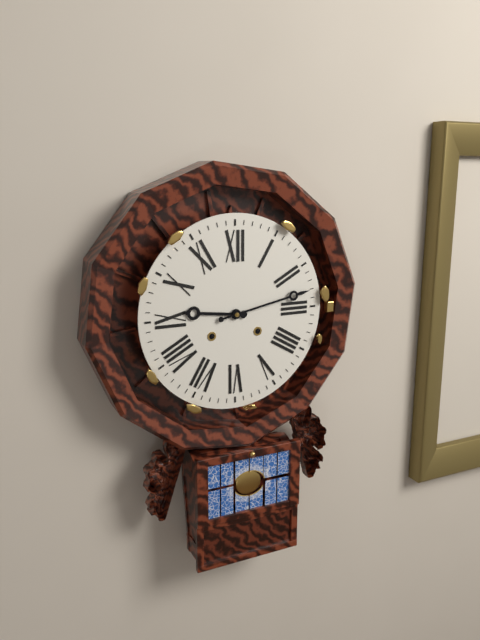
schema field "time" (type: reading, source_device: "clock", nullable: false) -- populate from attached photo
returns 9:13
